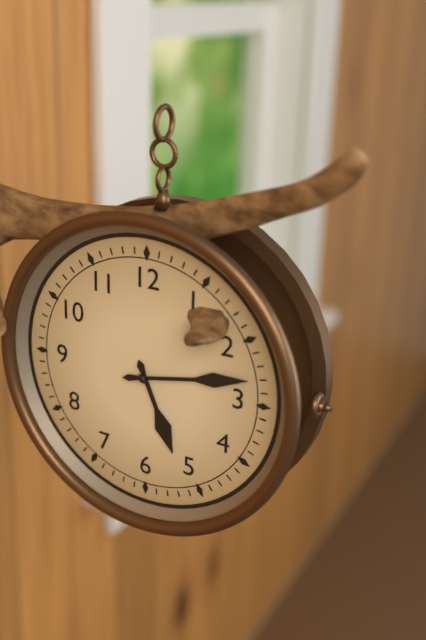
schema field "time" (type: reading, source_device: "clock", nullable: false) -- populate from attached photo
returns 5:13
